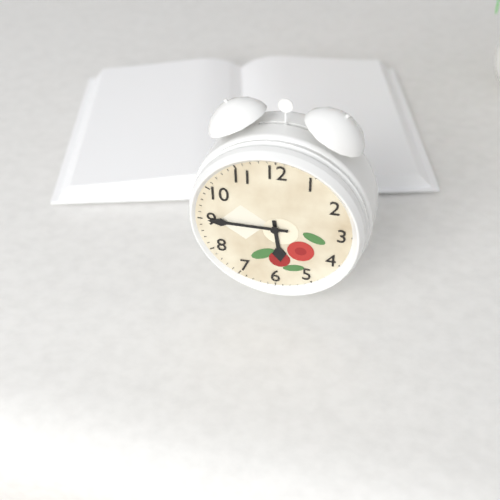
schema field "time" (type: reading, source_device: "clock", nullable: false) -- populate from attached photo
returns 5:45
